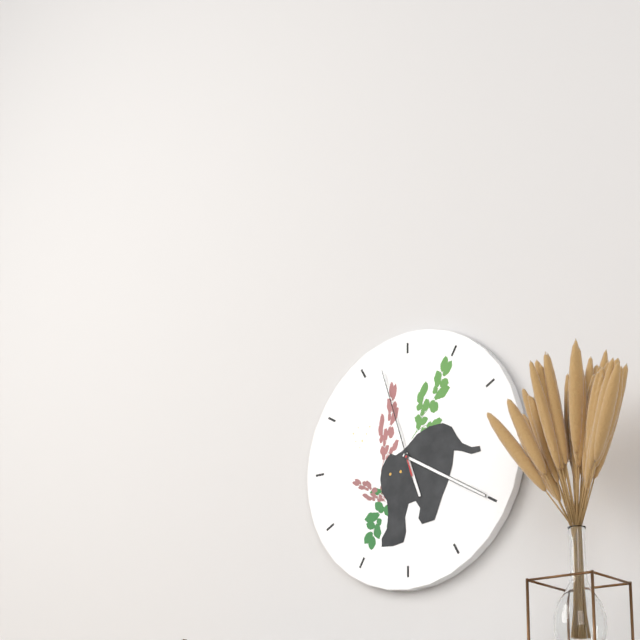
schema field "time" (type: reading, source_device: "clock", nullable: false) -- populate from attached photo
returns 5:20:57
